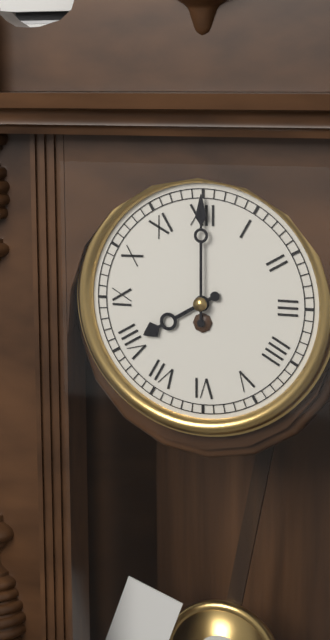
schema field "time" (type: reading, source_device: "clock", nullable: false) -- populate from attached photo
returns 8:00
